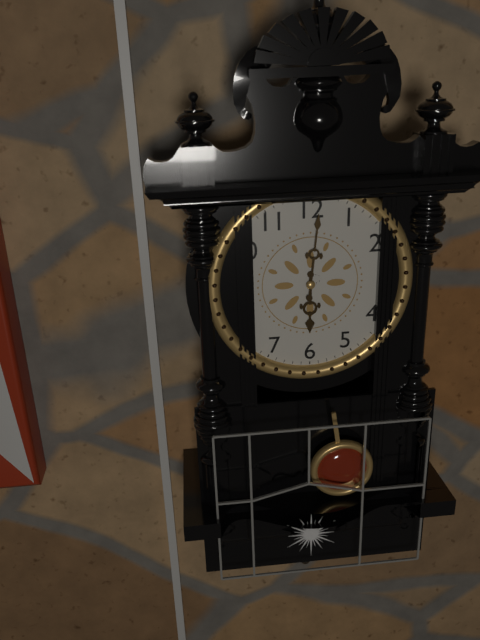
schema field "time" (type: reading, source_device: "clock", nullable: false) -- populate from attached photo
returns 6:01
